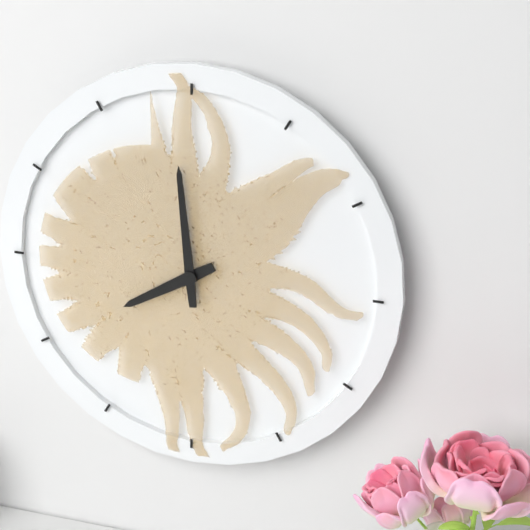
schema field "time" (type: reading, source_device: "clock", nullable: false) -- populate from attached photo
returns 7:59
